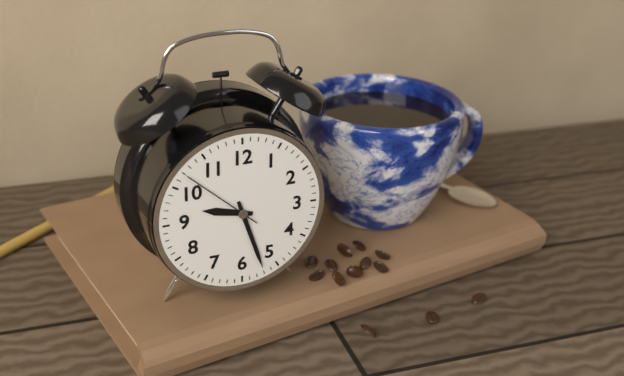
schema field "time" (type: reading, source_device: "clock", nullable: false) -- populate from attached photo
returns 9:27:52
